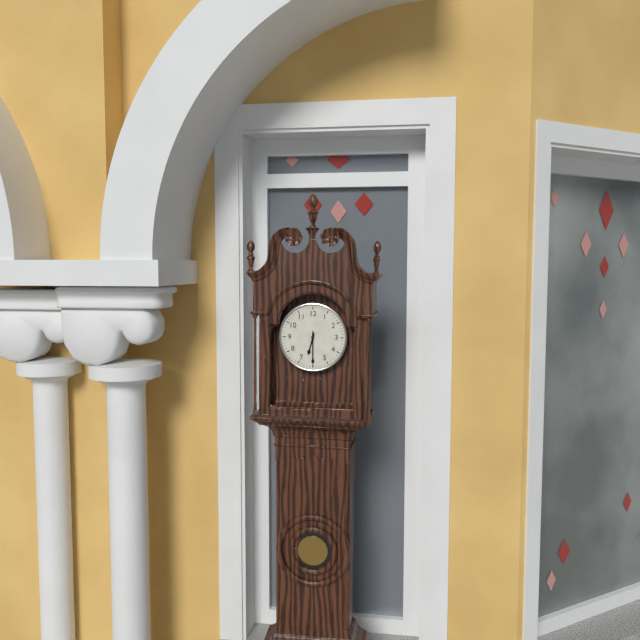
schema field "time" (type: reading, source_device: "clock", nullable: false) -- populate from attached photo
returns 6:30
